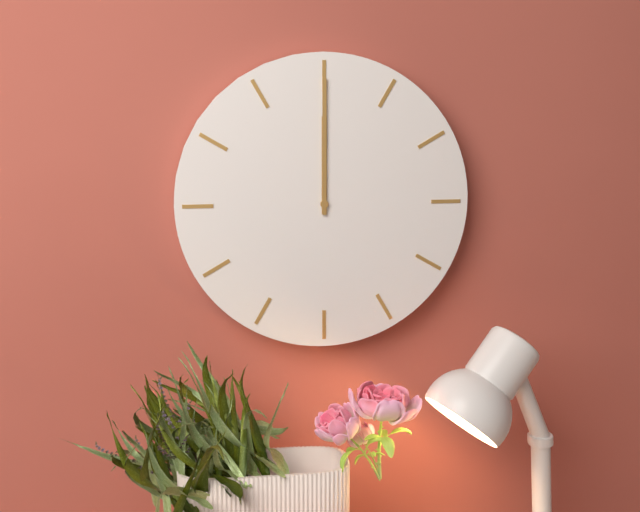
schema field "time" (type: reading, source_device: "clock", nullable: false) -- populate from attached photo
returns 12:00
